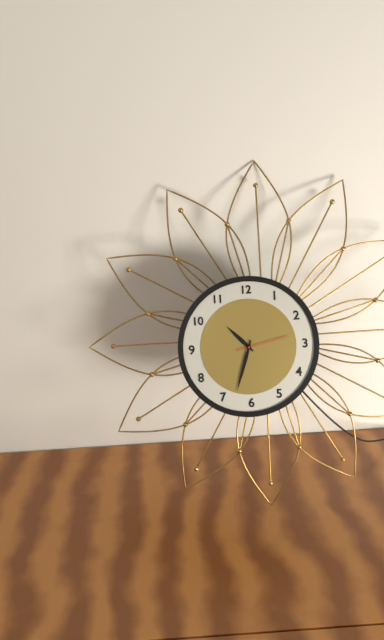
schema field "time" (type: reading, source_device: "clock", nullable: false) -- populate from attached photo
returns 10:33:13
